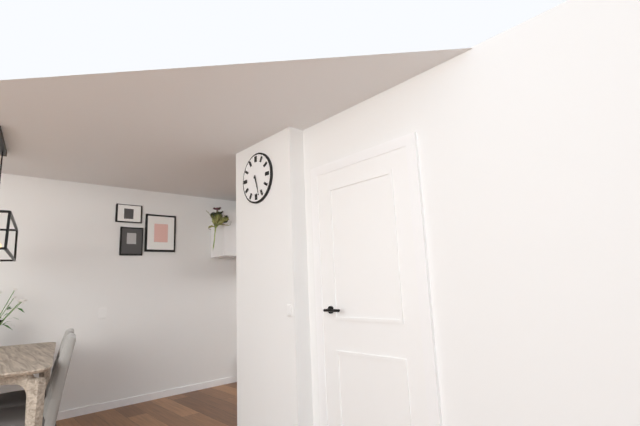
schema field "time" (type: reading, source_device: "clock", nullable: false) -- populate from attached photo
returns 5:27
